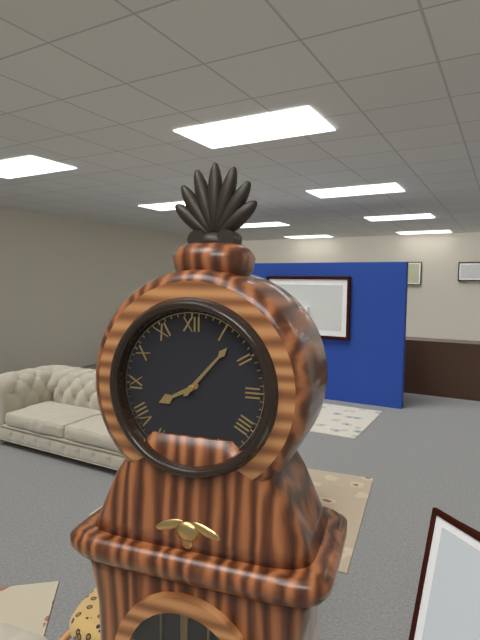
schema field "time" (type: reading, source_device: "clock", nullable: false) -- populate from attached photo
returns 8:07
